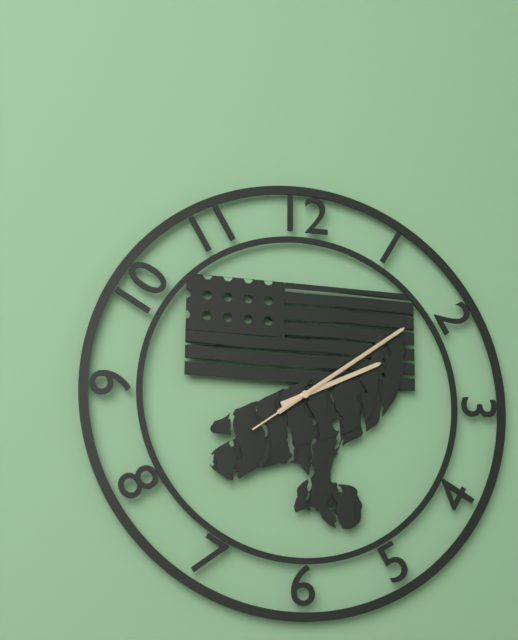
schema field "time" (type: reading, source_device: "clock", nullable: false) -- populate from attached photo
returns 2:09:09
